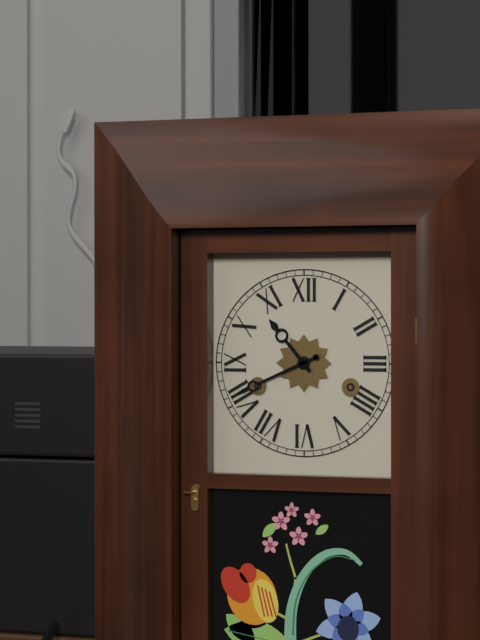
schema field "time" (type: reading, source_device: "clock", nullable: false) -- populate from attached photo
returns 10:41
